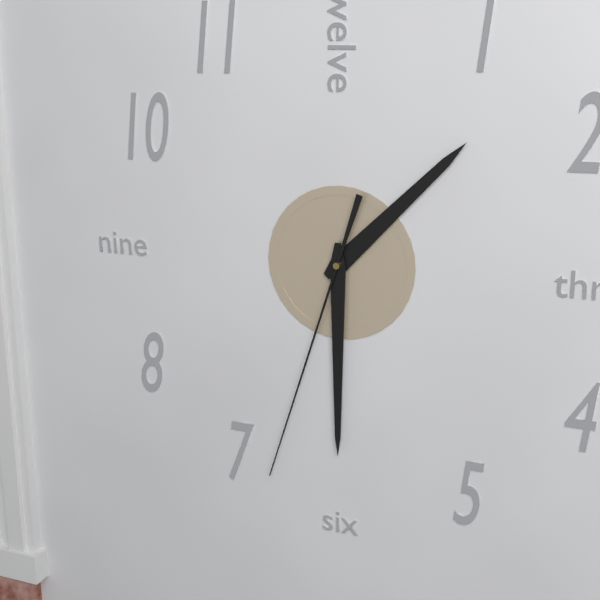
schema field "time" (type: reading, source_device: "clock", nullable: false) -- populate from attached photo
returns 1:30:33
